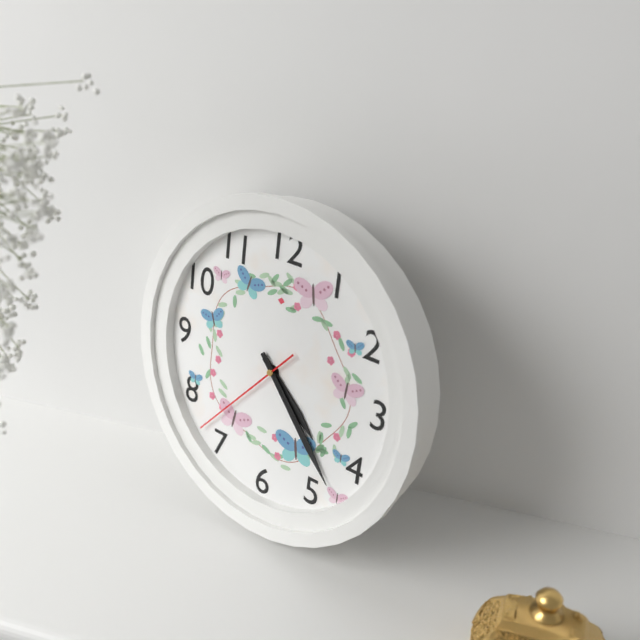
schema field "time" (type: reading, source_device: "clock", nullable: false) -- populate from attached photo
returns 4:23:37
